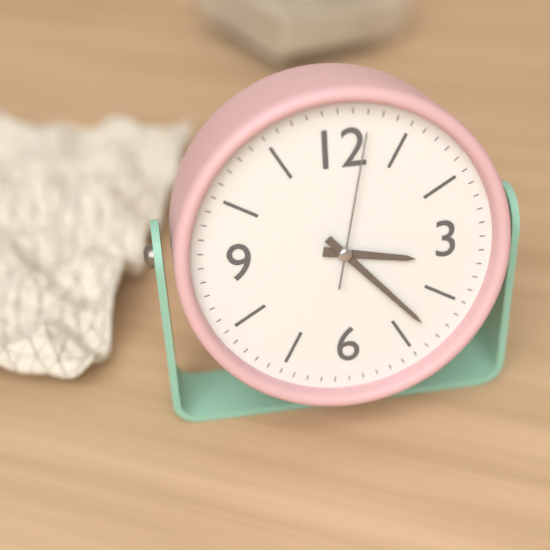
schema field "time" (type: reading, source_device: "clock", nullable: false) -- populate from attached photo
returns 3:23:02
